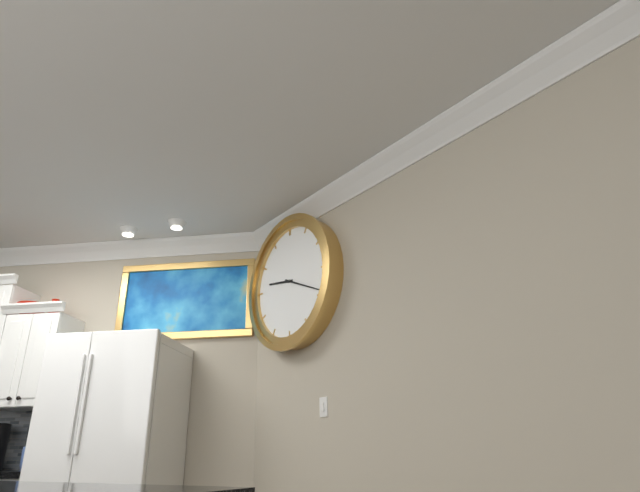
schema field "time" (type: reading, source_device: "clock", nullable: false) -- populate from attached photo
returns 9:19
